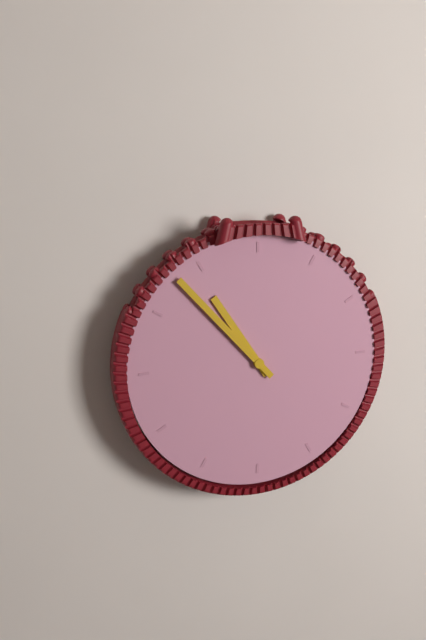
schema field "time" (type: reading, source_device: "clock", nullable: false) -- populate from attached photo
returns 10:53
